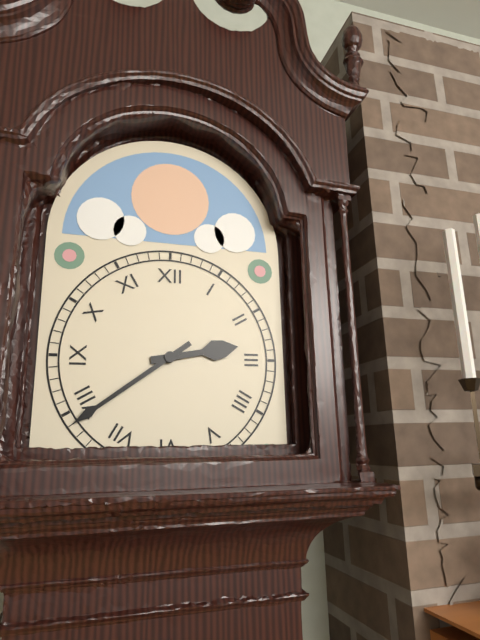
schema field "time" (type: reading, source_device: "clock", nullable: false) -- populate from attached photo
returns 2:39
